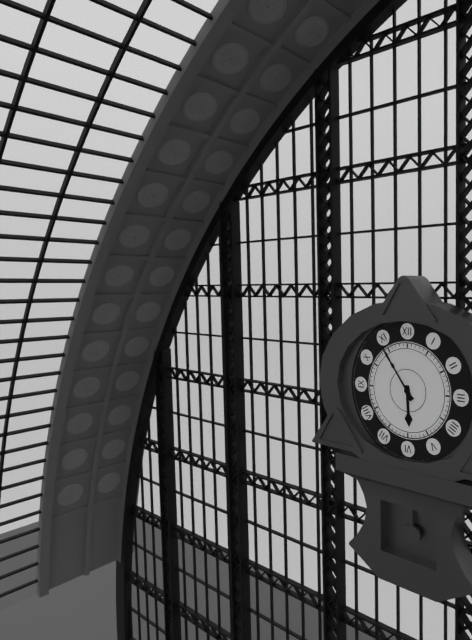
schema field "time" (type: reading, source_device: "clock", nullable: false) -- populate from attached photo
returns 5:54
